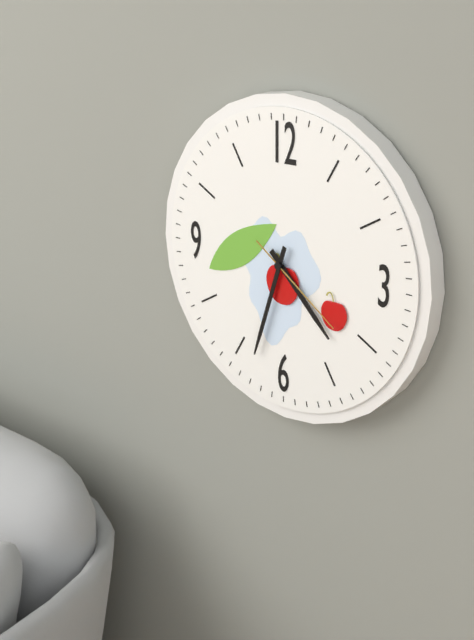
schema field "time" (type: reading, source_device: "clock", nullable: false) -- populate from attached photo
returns 4:33:21
